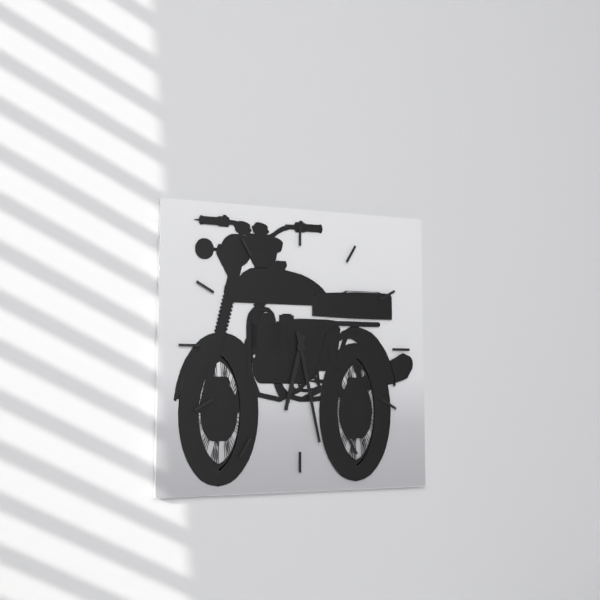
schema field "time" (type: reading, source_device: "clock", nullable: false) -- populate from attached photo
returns 6:28
